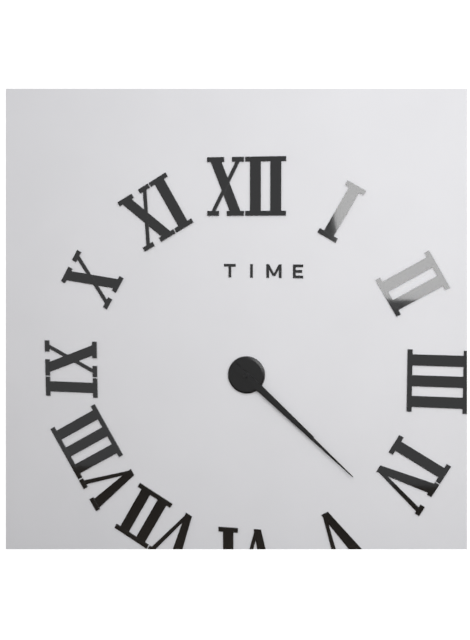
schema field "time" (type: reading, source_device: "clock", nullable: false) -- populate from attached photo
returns 4:22
